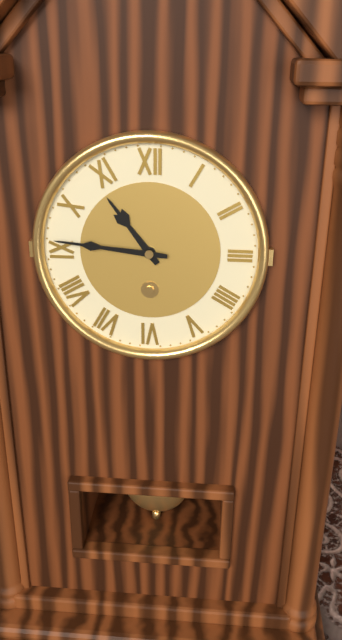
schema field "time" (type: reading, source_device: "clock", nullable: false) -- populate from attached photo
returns 10:46
